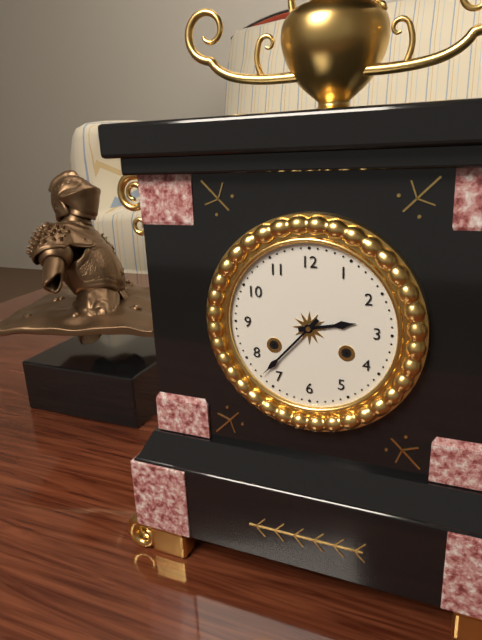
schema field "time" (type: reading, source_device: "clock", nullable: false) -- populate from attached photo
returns 2:37
